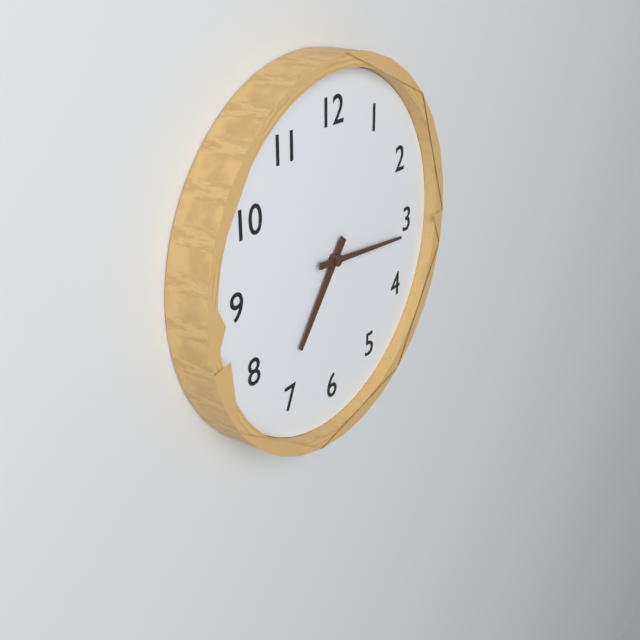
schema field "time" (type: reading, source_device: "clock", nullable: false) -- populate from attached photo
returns 7:16
